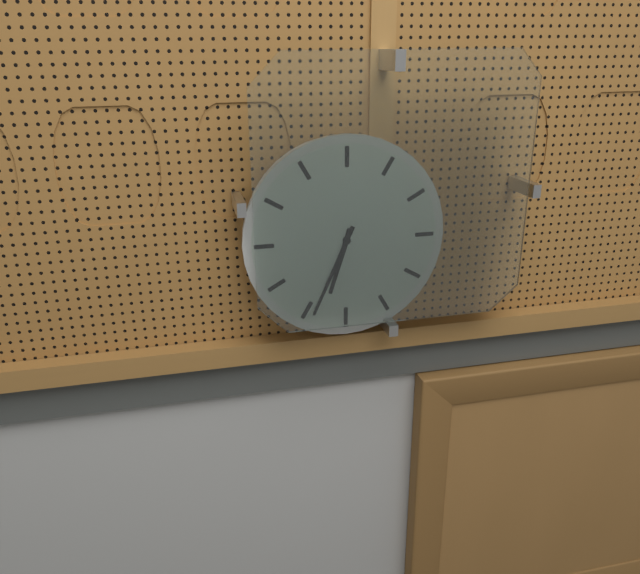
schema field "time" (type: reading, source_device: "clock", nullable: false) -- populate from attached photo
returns 6:34
